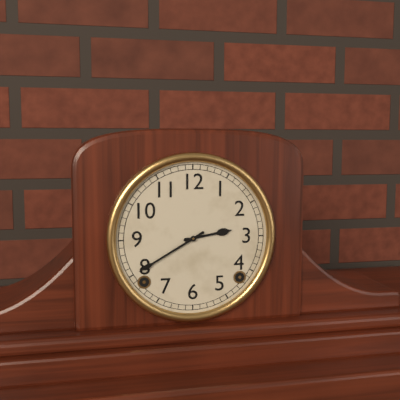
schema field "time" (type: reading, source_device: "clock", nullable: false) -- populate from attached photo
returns 2:40
